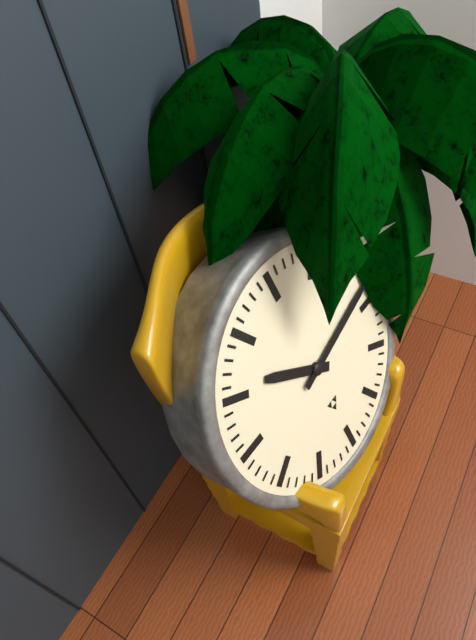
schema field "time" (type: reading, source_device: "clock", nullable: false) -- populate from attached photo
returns 10:13
